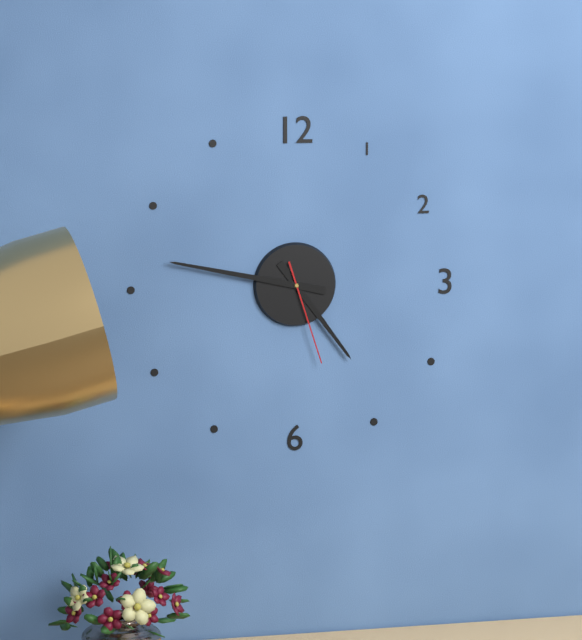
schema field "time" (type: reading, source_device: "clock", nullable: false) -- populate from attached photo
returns 4:47:27
